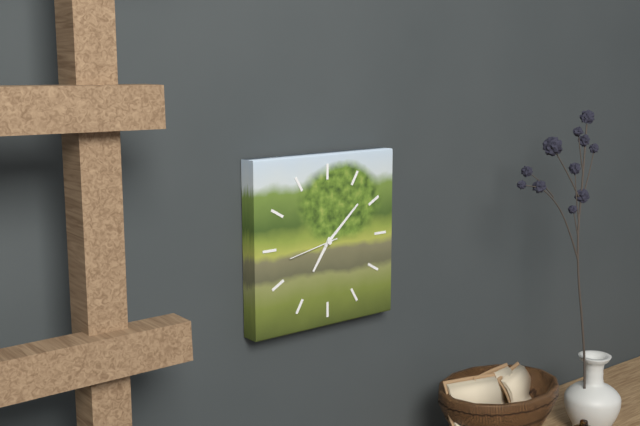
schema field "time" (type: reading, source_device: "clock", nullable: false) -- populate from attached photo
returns 7:08:43
